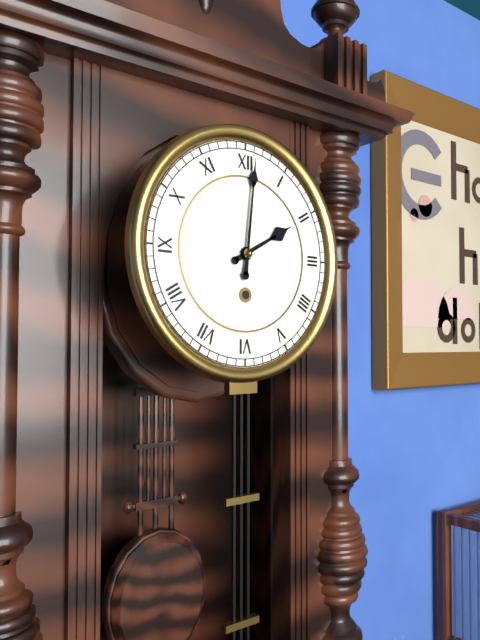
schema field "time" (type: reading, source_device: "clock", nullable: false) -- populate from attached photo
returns 2:01
